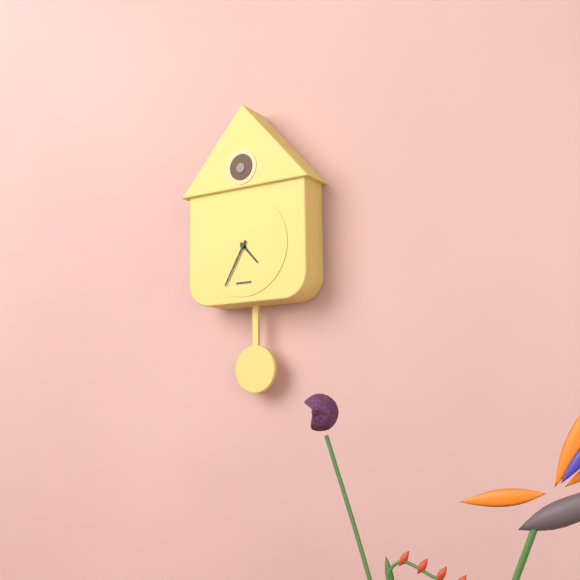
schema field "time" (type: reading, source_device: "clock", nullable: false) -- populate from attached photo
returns 4:35
